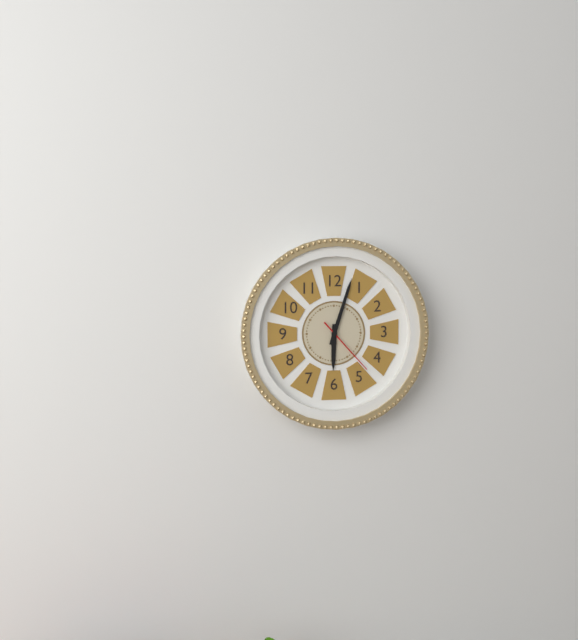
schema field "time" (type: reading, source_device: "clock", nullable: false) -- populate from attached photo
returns 6:03:23
